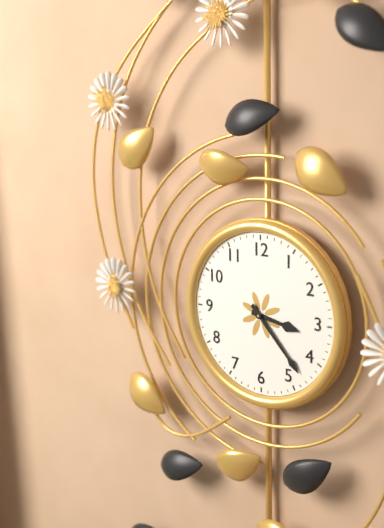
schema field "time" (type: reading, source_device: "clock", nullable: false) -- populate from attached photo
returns 3:23
